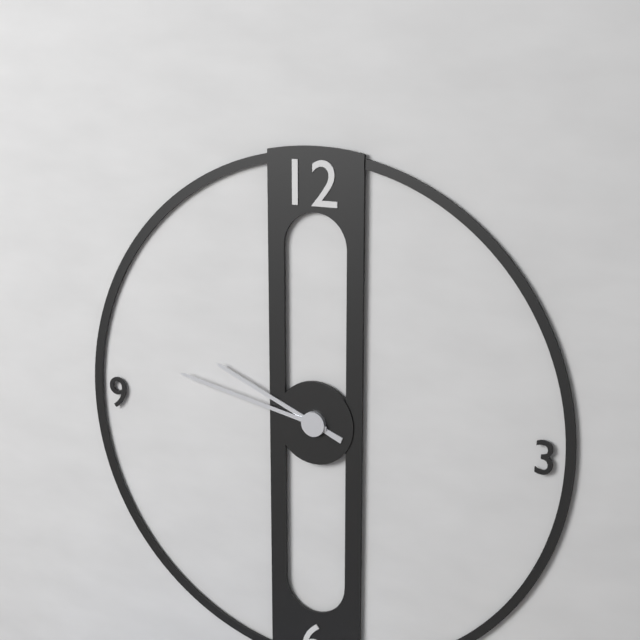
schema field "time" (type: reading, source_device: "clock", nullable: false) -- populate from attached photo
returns 9:47
